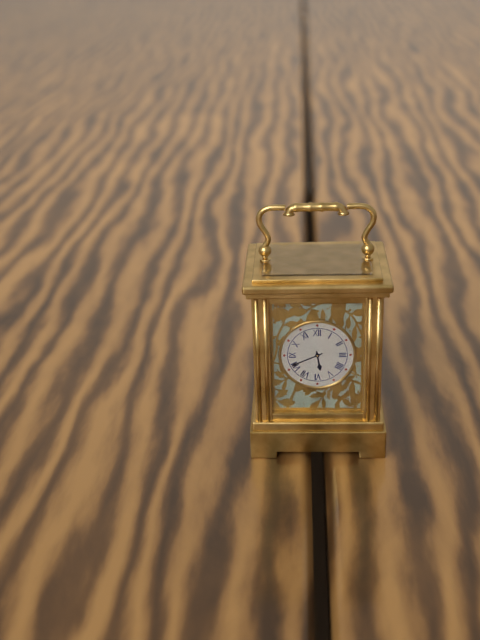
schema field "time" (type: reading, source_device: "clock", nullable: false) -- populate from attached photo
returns 5:41
